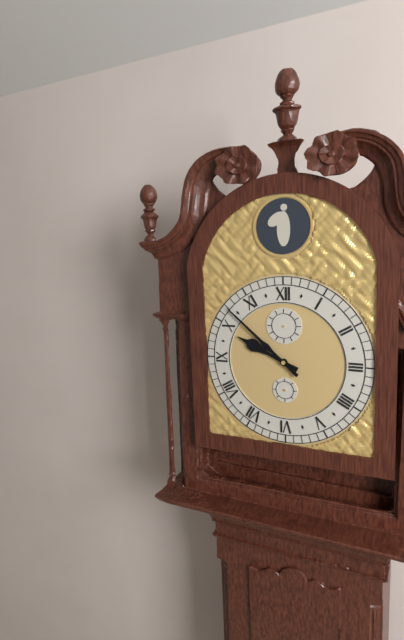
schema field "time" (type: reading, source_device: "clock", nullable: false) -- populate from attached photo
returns 9:52
